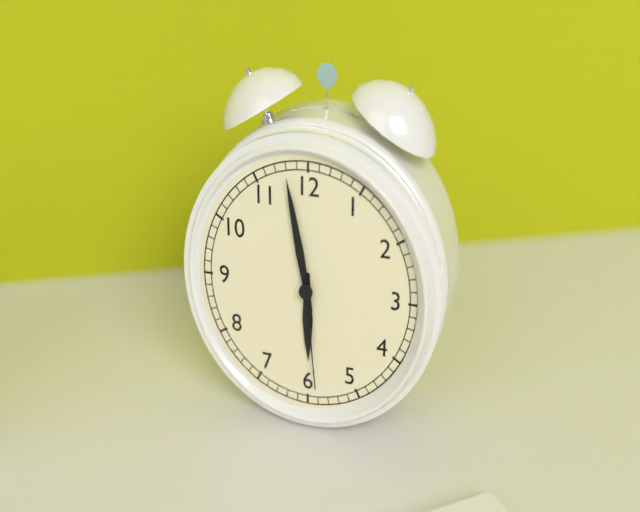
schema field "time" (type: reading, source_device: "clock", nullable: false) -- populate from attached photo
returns 5:58:29
